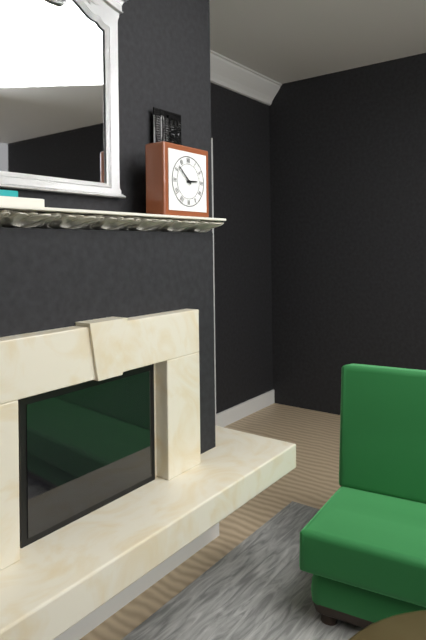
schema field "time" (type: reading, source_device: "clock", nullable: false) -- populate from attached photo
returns 2:52
